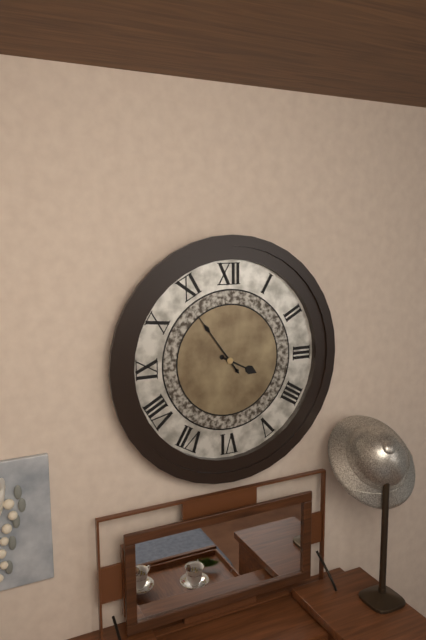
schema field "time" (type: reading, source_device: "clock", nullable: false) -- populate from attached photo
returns 3:54
